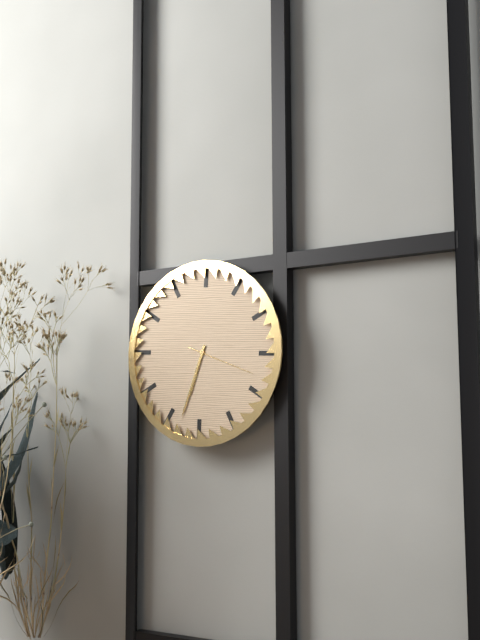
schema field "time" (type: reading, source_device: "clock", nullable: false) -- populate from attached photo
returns 6:33:18
